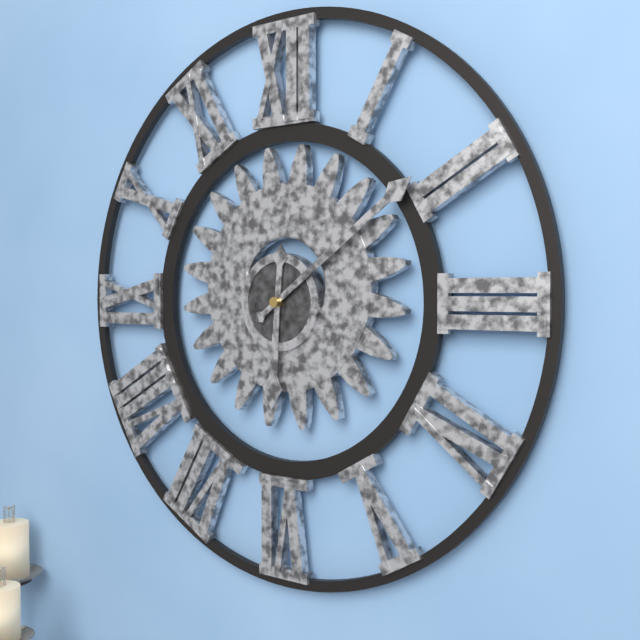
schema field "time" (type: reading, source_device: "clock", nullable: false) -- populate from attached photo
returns 6:09
